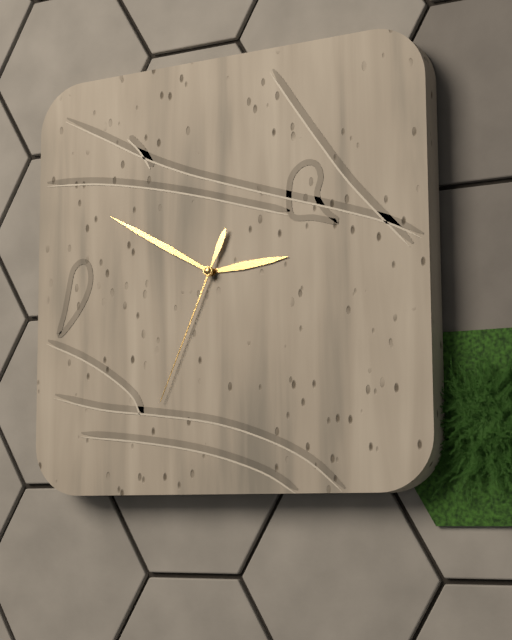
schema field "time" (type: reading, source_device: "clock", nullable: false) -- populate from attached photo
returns 2:50:34
